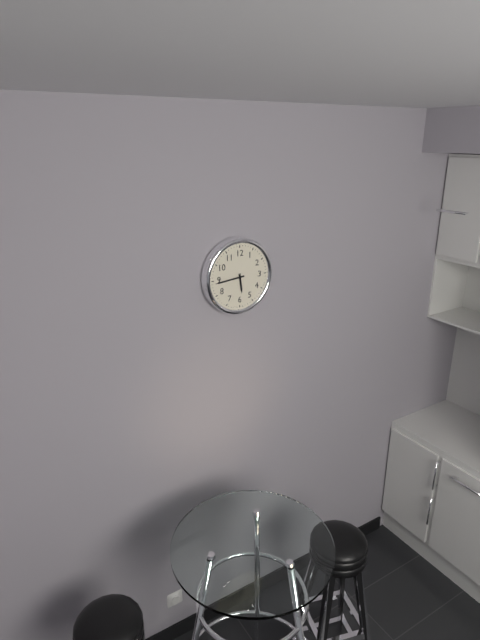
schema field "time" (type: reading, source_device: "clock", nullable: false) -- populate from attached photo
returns 5:44
